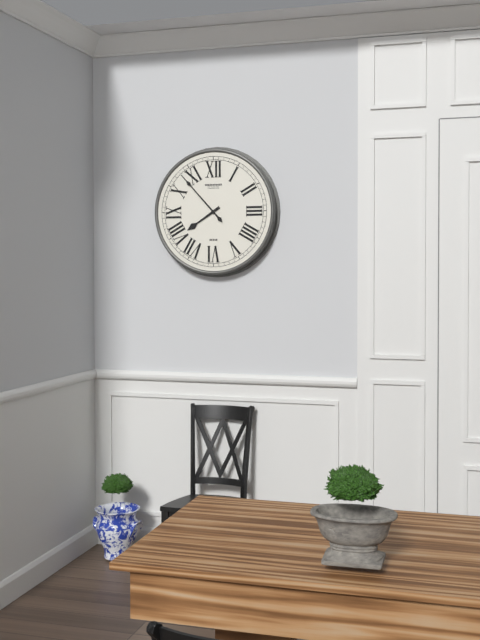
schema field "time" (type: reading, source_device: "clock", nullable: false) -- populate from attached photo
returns 7:53
